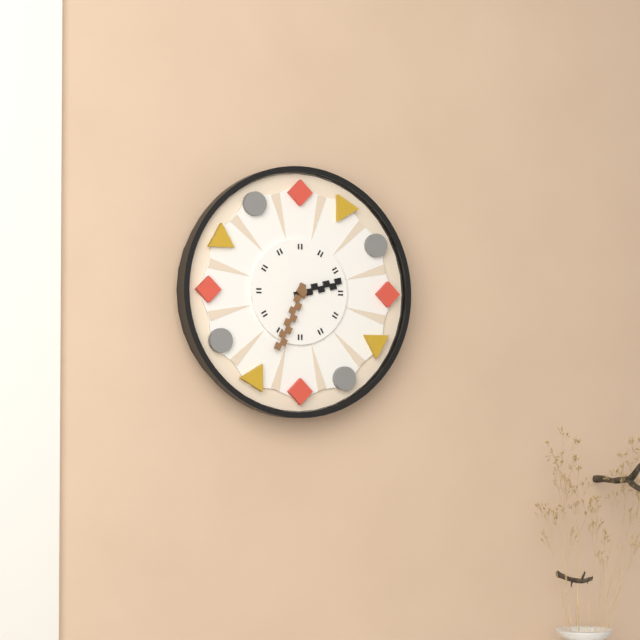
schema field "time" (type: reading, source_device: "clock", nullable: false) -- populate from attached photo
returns 2:34
